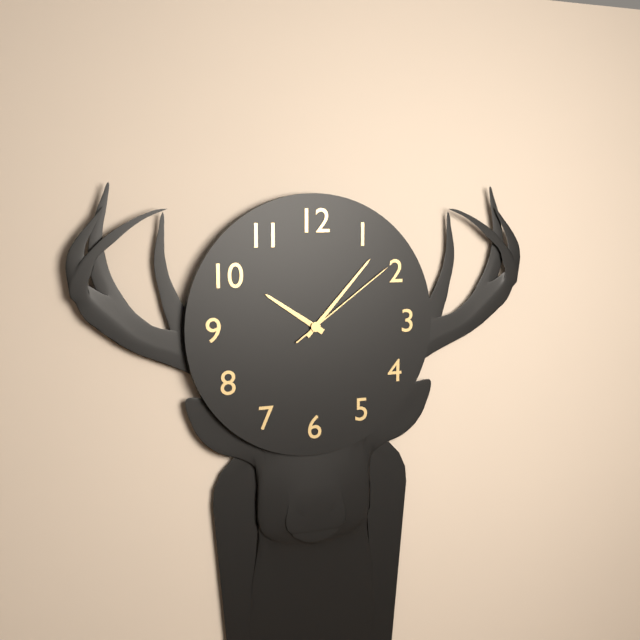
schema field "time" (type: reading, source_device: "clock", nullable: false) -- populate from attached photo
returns 10:07:09
